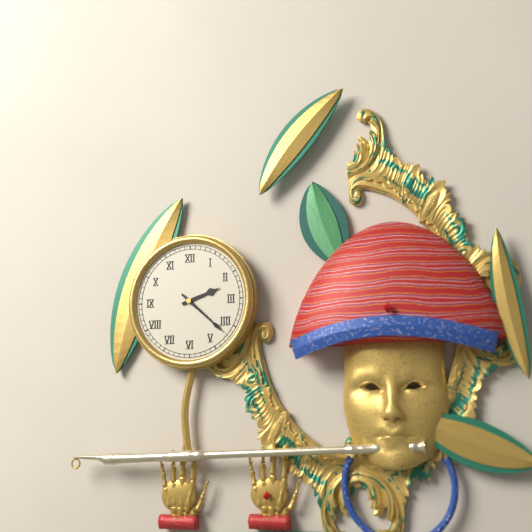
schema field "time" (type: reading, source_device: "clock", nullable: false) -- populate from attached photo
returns 2:22
